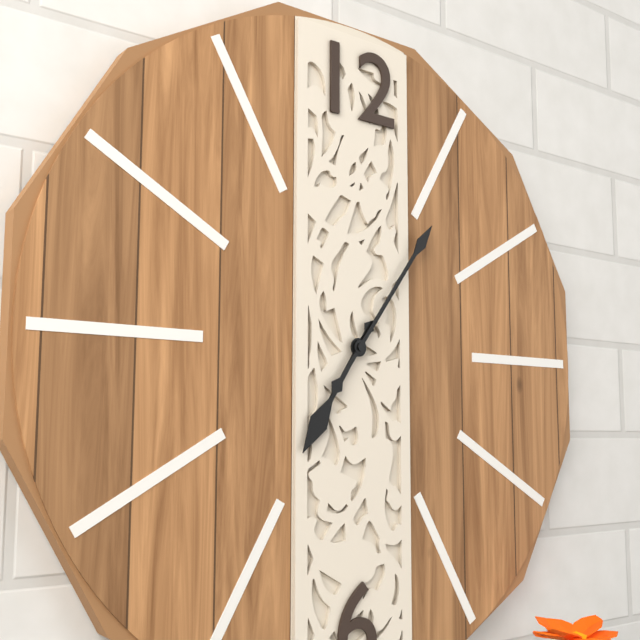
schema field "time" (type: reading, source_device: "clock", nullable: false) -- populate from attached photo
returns 7:06
